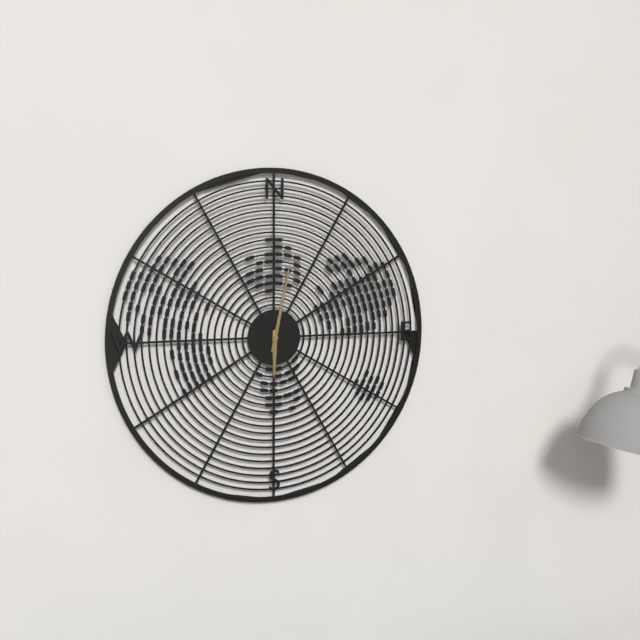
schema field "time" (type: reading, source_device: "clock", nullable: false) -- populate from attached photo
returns 6:02
